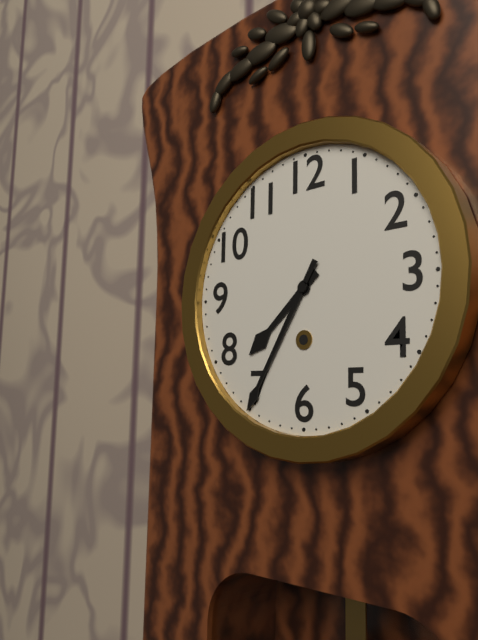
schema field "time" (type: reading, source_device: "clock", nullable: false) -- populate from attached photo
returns 7:35
